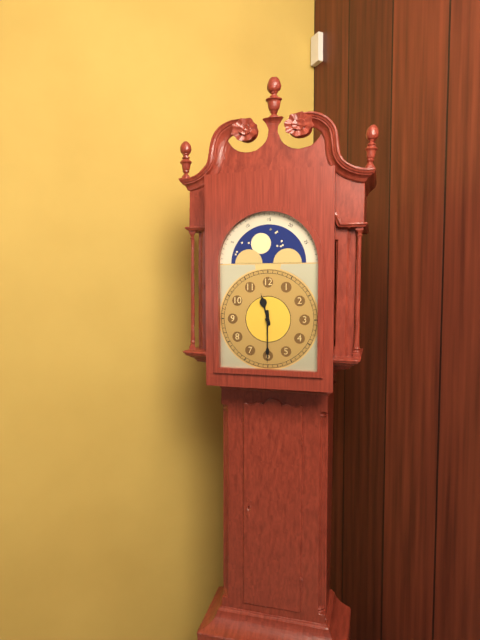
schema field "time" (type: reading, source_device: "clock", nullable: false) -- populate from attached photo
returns 11:30
